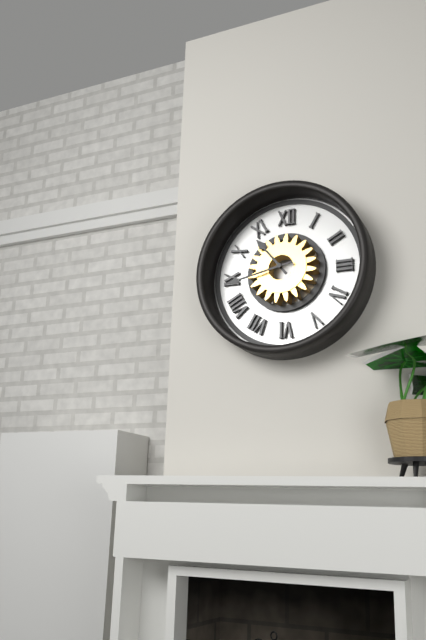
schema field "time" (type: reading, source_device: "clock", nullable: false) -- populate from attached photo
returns 10:43
